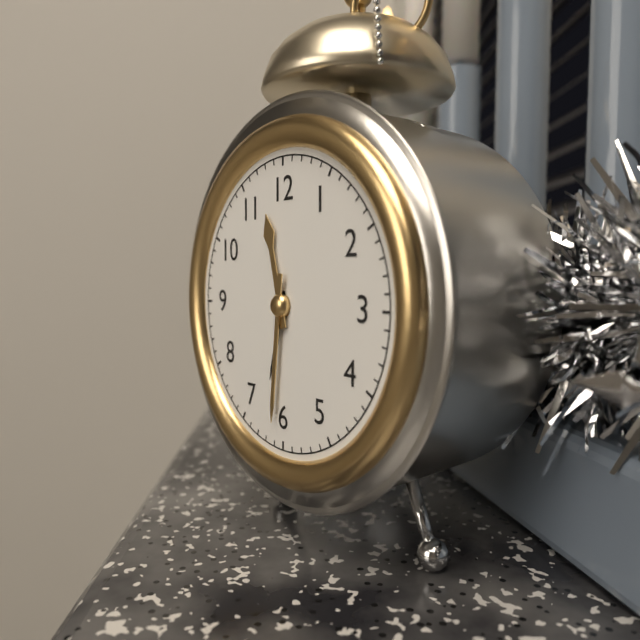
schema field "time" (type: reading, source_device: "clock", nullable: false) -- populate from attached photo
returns 11:31
